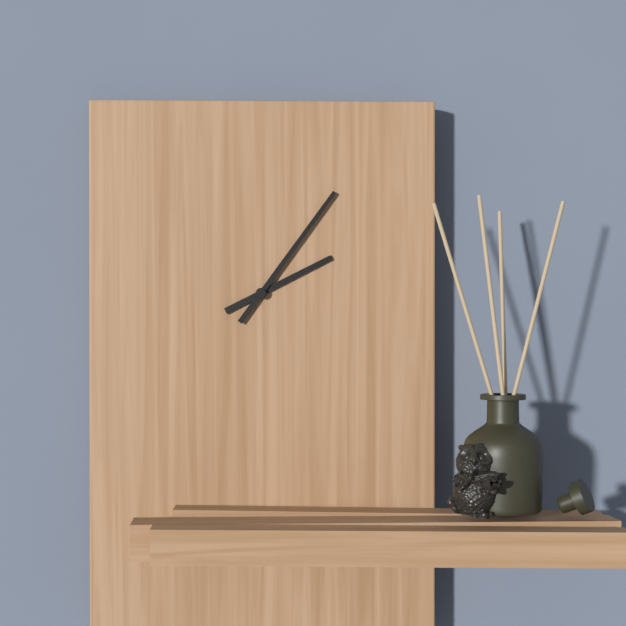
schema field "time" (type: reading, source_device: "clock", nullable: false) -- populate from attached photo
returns 2:06
